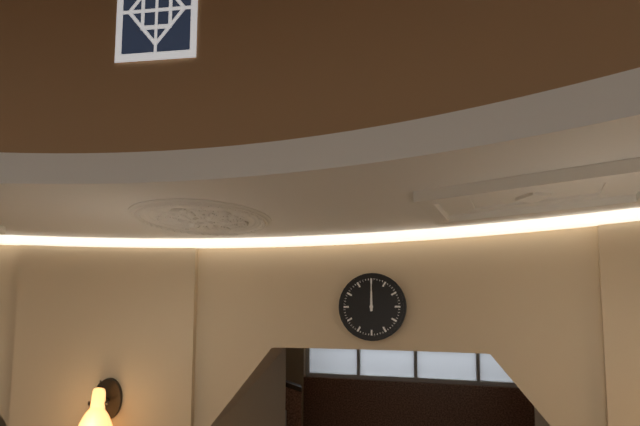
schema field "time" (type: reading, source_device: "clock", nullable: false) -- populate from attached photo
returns 12:00
